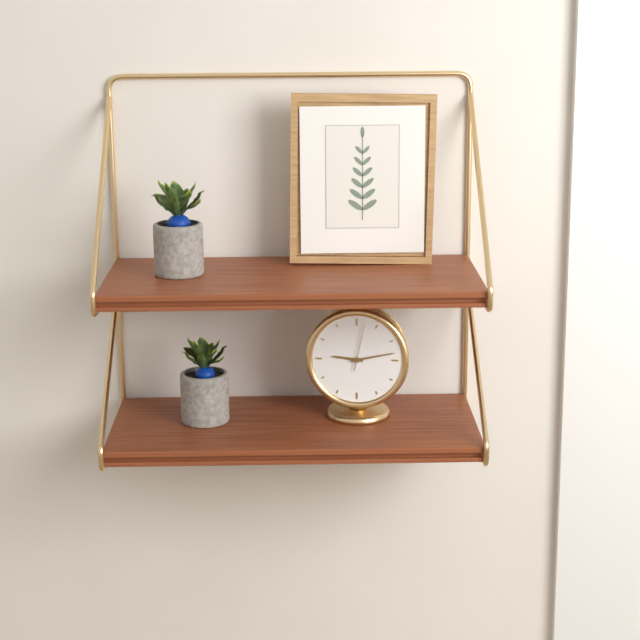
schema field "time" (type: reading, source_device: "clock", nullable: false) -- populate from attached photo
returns 9:13:02
